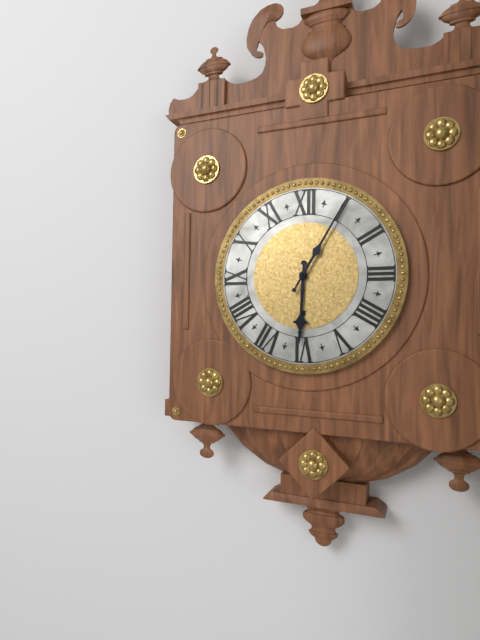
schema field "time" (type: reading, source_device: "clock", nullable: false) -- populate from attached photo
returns 6:05
